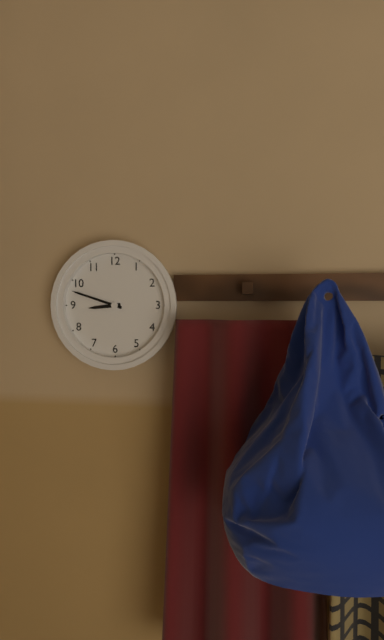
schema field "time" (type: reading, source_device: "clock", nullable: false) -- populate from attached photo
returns 8:48
